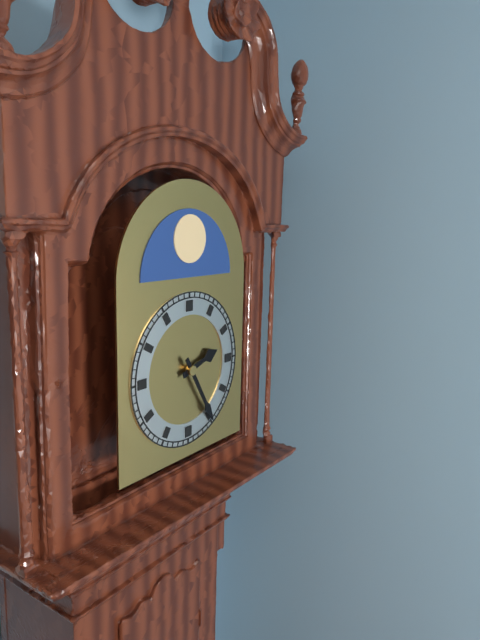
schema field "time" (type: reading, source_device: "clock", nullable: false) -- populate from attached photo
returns 2:25
